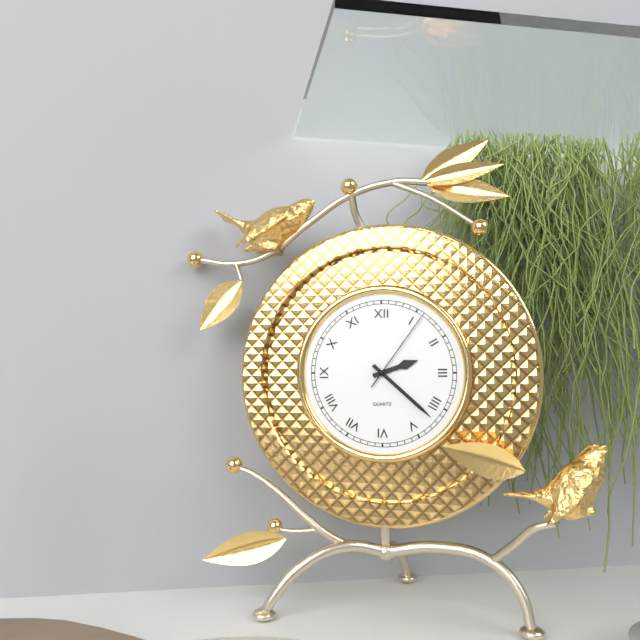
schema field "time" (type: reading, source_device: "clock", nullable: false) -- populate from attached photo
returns 2:22:06
